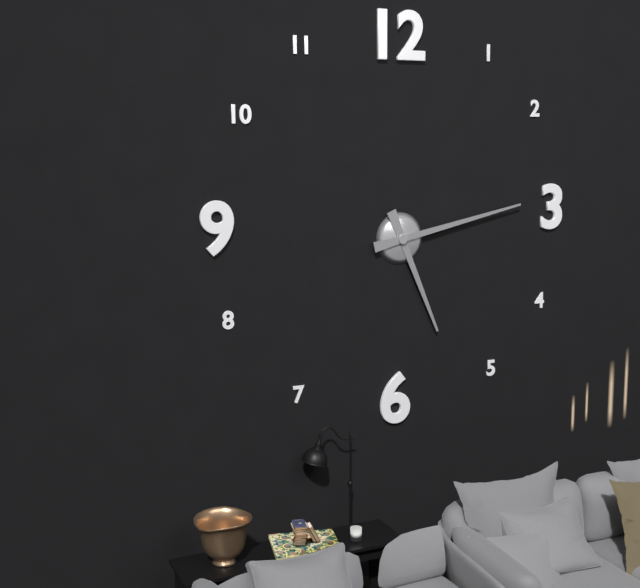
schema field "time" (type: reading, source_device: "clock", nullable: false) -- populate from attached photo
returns 5:13
